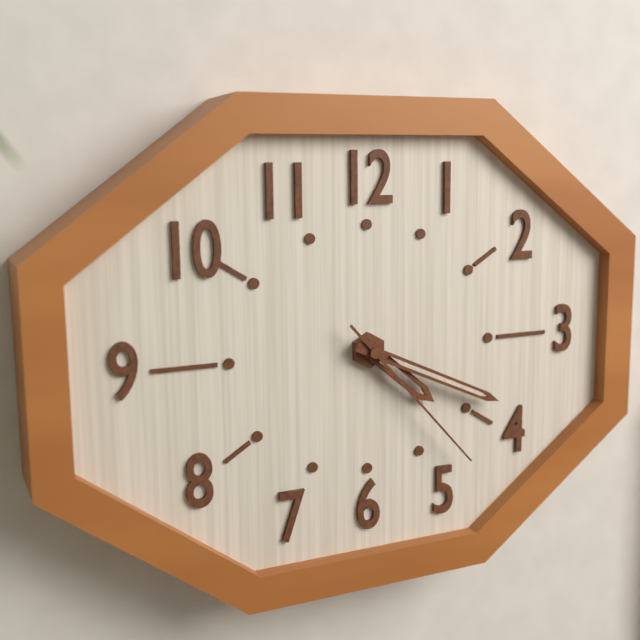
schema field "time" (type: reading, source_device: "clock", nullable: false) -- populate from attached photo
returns 4:19:23
